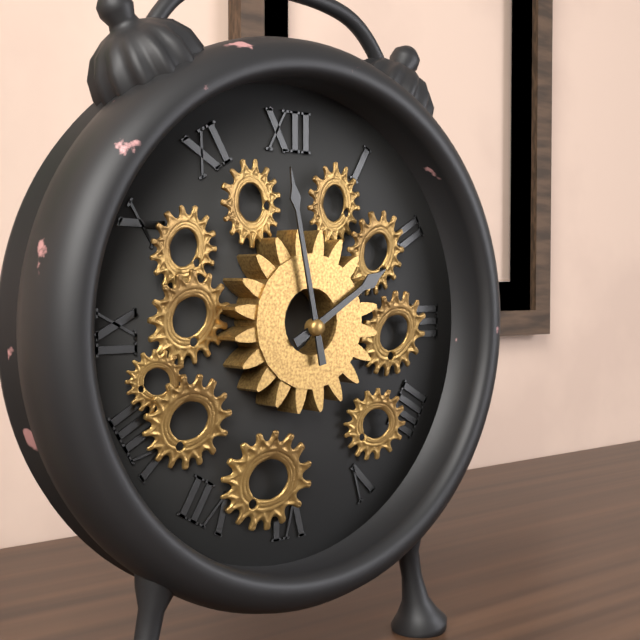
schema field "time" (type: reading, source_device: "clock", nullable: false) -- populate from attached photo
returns 1:58
